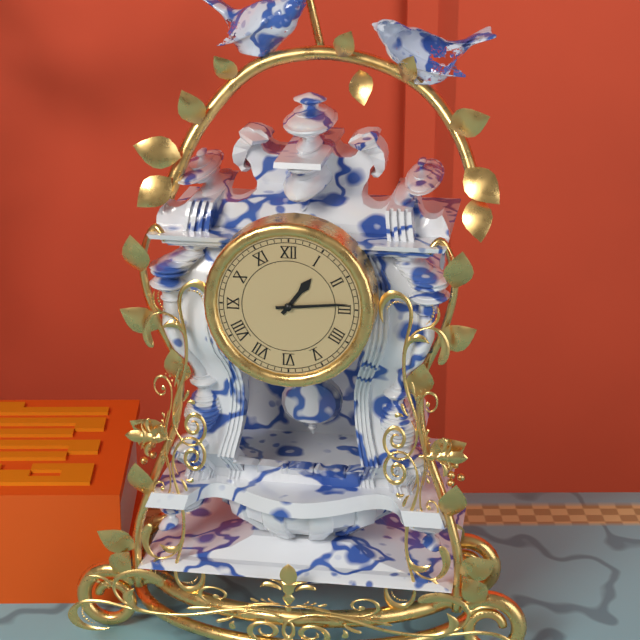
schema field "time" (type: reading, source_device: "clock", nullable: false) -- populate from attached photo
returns 1:14
